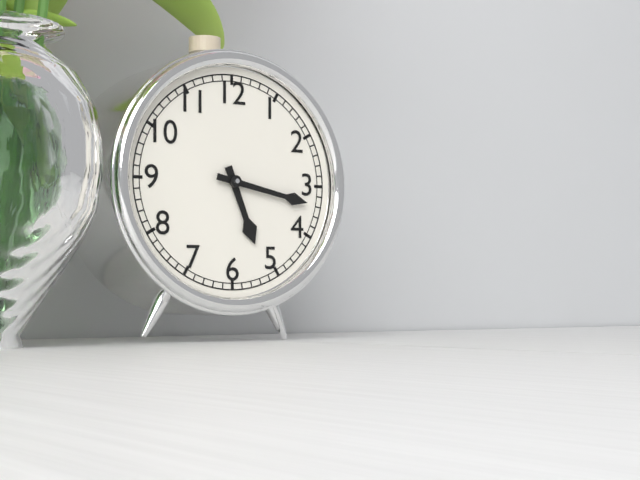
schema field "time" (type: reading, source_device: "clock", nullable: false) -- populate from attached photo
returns 5:17
